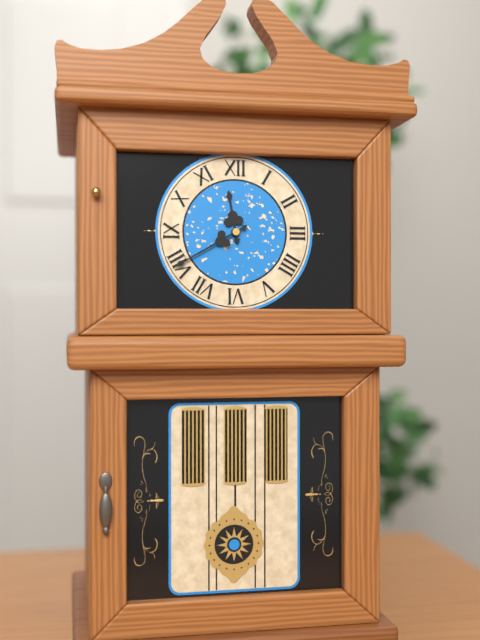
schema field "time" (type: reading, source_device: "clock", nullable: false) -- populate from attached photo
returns 11:40
